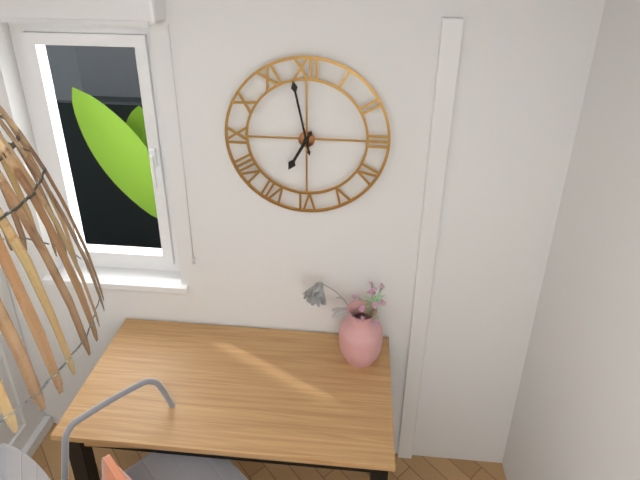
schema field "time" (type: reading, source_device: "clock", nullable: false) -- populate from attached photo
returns 6:58
